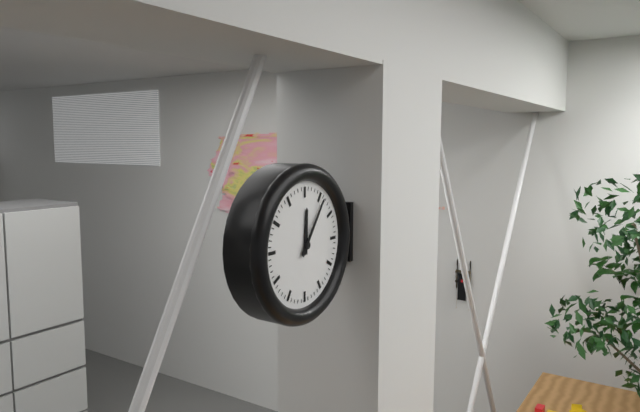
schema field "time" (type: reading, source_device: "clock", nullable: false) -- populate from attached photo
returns 12:06
